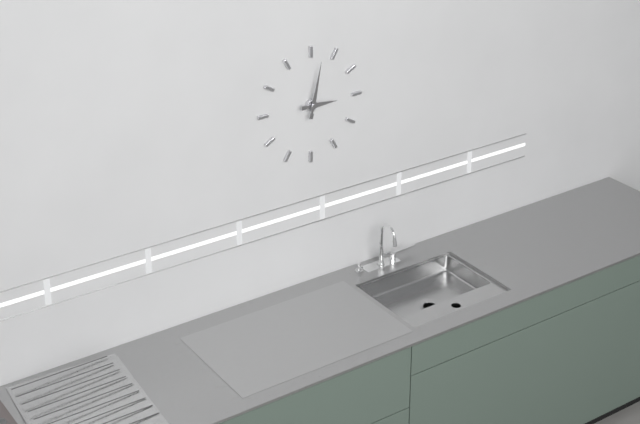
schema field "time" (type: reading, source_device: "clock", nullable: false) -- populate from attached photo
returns 3:02
